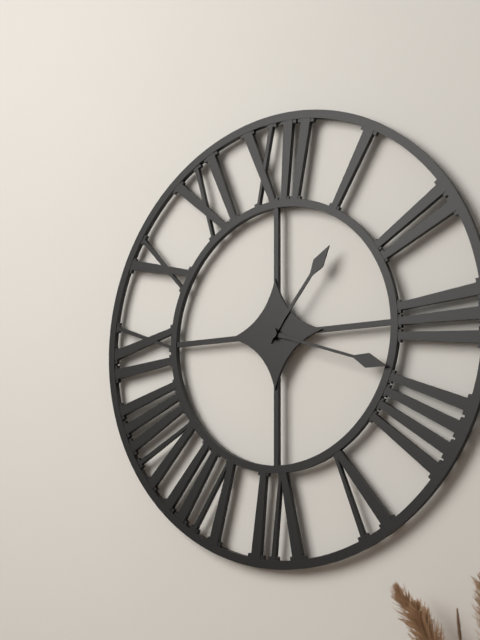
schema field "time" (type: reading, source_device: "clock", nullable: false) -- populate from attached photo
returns 1:18
